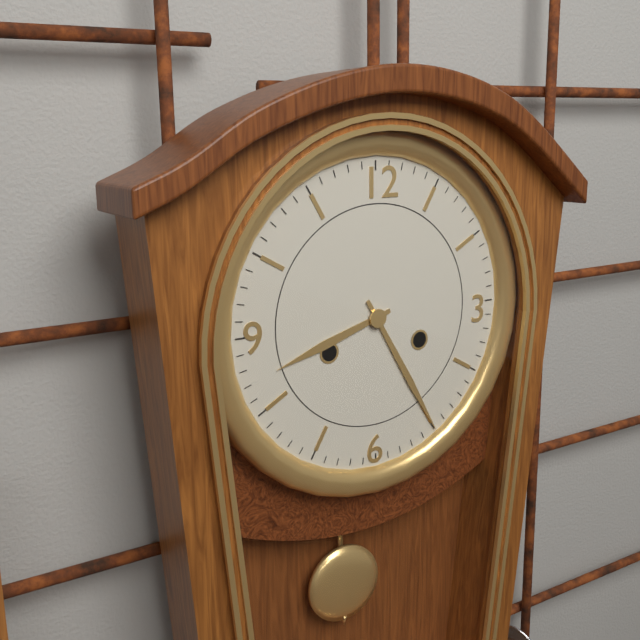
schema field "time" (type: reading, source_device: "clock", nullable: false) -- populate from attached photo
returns 8:25
